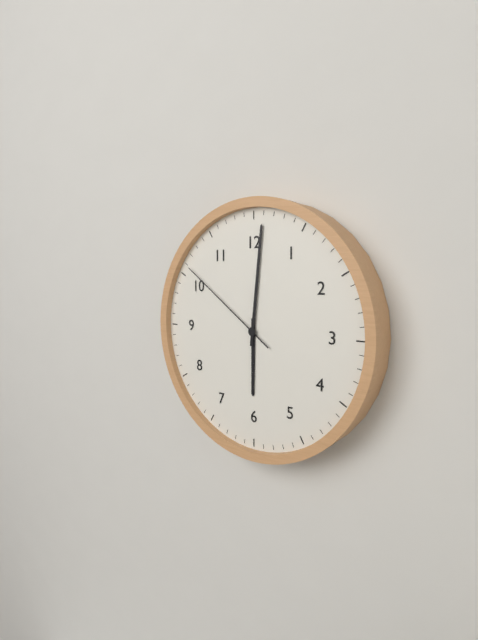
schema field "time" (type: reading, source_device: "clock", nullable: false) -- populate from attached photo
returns 6:01:51
